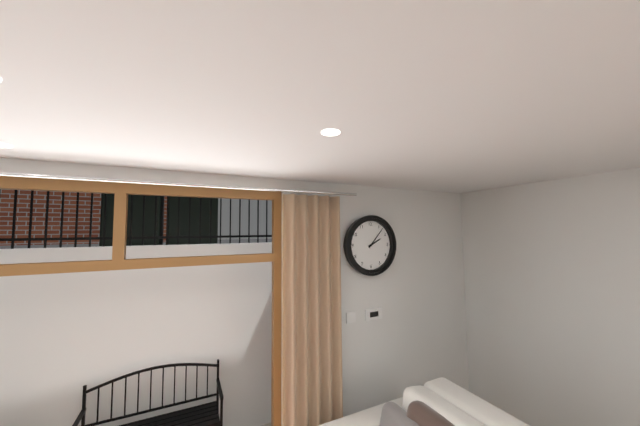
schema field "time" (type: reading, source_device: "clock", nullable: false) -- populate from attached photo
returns 2:07
